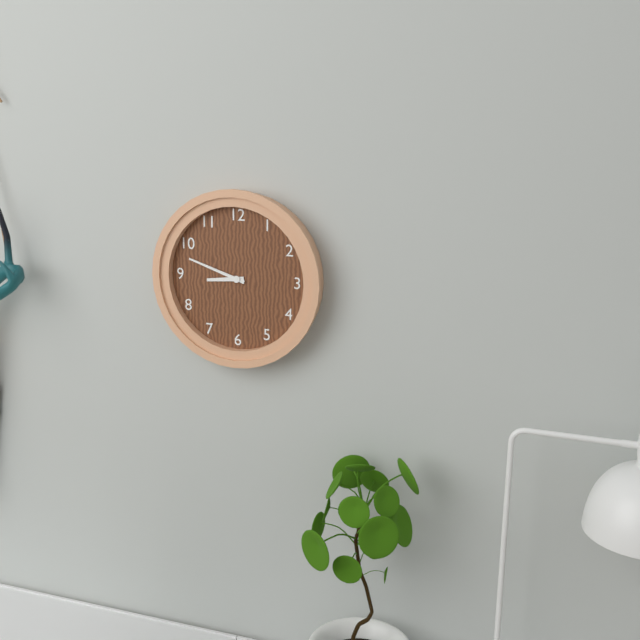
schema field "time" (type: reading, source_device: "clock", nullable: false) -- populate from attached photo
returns 8:48
